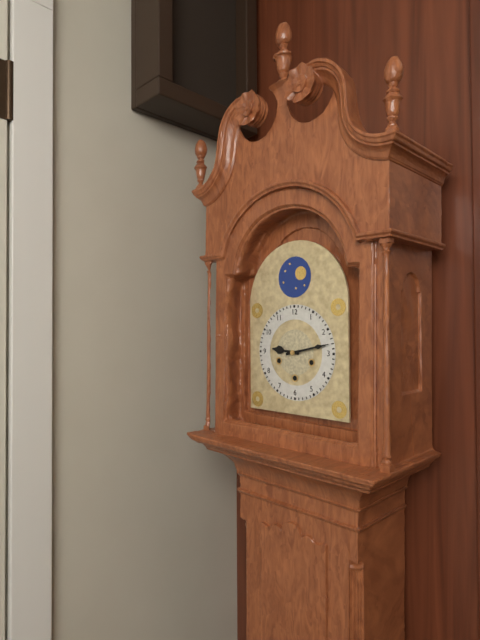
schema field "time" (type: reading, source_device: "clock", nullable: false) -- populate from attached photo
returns 9:13
